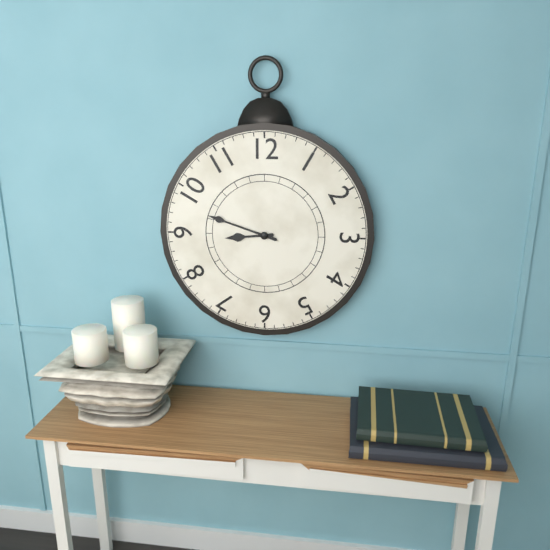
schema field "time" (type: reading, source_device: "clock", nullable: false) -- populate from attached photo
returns 8:48
